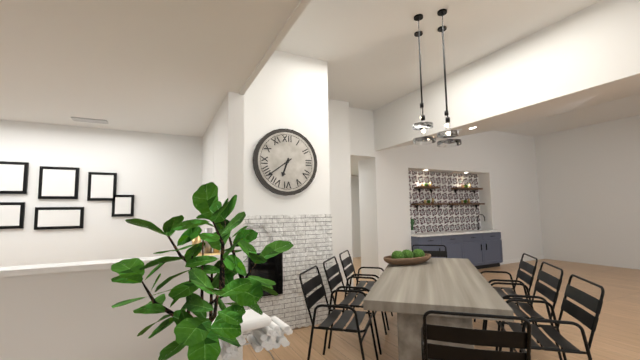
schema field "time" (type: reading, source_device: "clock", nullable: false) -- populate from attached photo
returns 6:39
